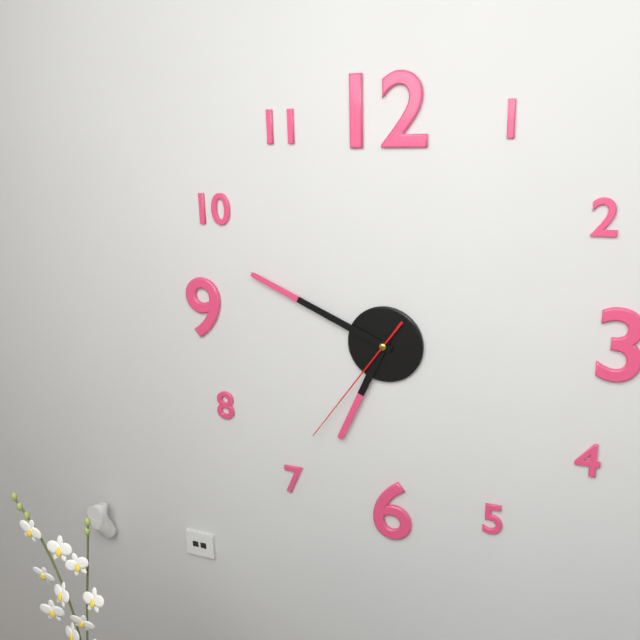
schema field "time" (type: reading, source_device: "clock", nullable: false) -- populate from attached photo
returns 6:49:36
